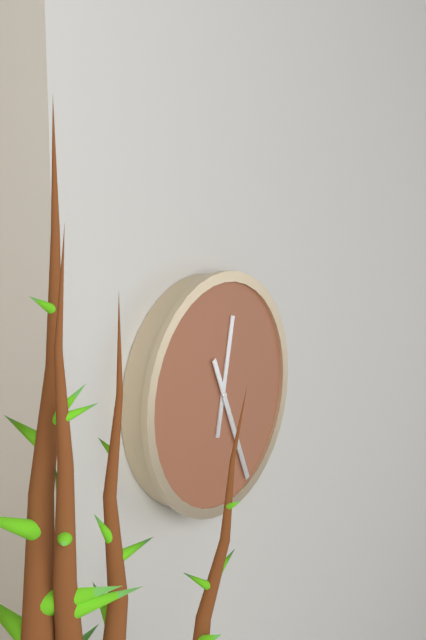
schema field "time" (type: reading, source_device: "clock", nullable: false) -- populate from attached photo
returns 12:26
